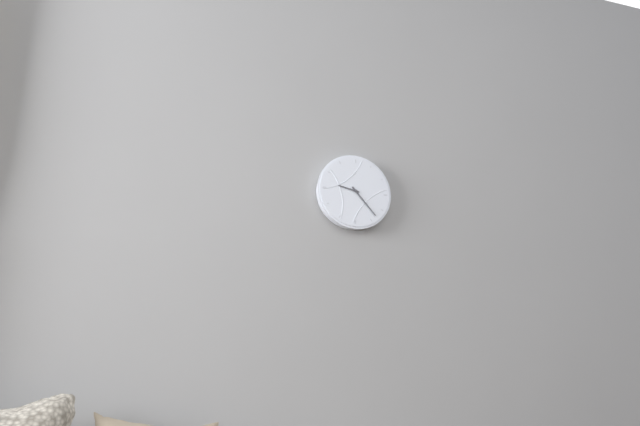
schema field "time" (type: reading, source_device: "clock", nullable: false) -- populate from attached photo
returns 9:23
